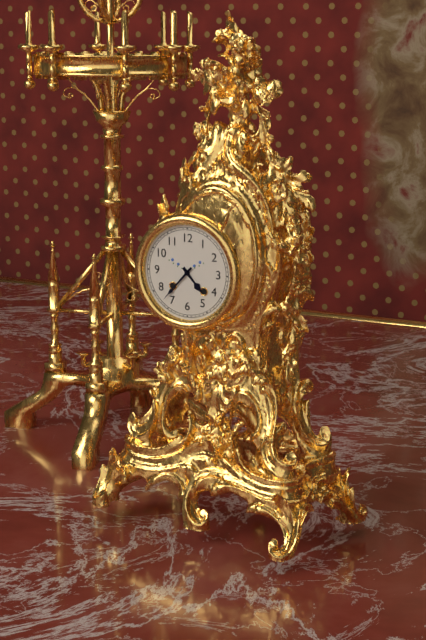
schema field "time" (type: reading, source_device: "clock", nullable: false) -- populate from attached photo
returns 4:37
